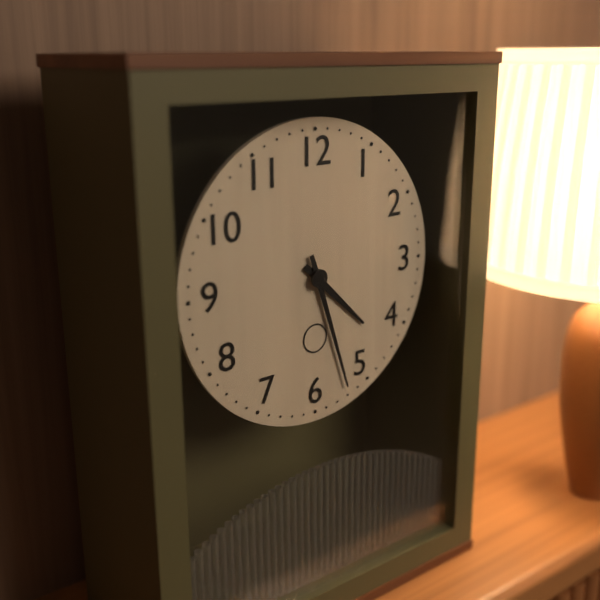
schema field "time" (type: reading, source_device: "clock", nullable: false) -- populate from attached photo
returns 4:27
